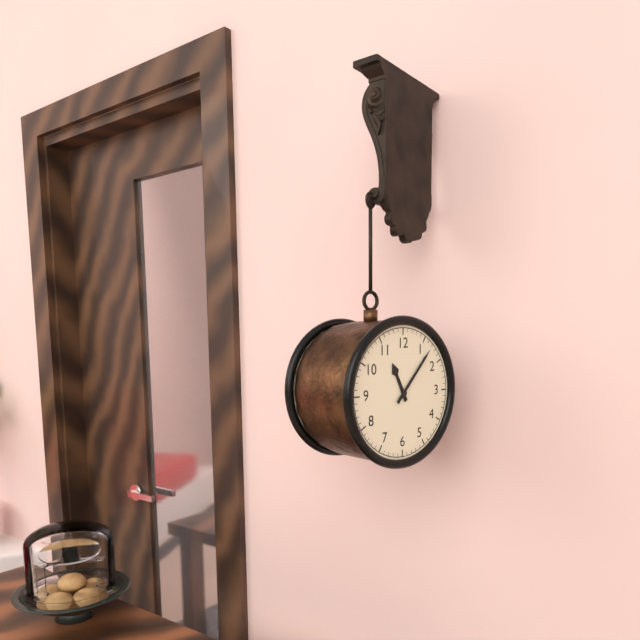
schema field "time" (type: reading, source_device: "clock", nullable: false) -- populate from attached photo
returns 11:07
